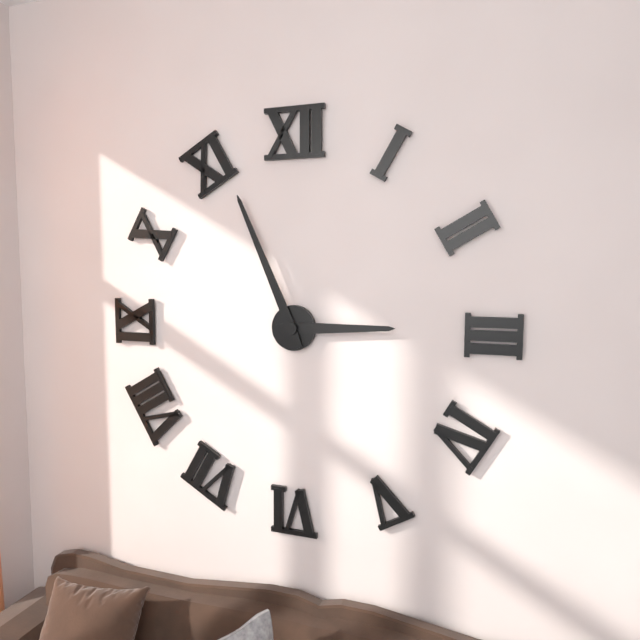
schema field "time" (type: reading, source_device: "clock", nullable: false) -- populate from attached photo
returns 2:56
